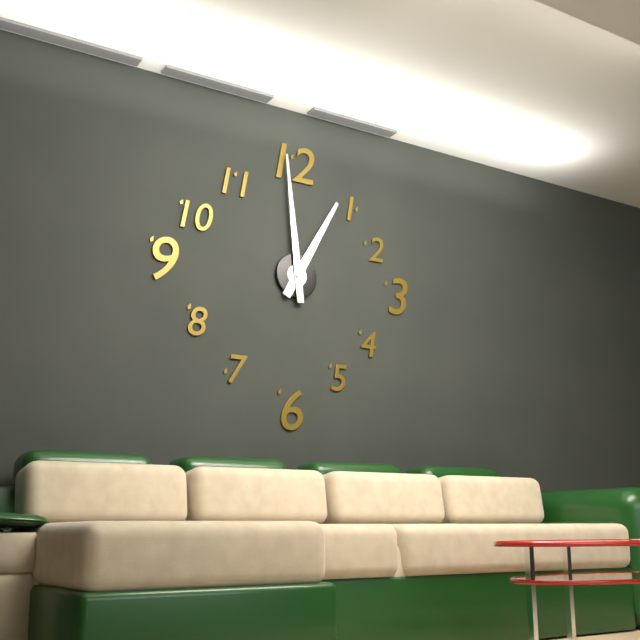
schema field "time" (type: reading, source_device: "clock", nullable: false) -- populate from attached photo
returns 12:59
